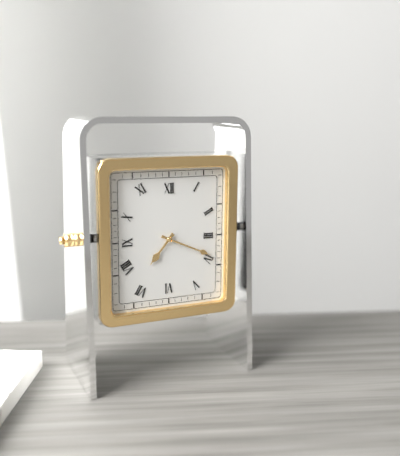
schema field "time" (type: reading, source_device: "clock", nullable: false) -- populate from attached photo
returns 7:19
